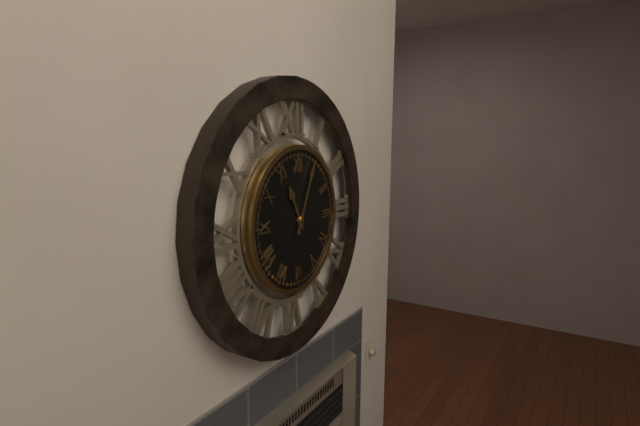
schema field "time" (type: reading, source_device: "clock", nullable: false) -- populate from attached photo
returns 11:04
